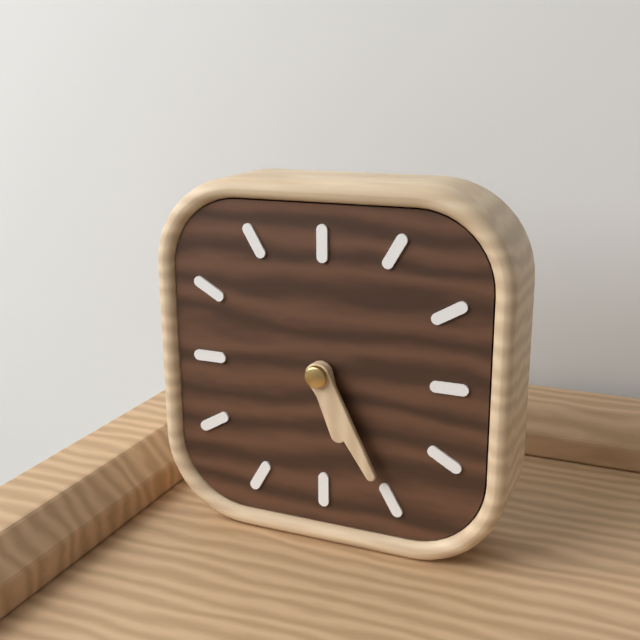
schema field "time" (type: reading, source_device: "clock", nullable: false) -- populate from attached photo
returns 5:25
